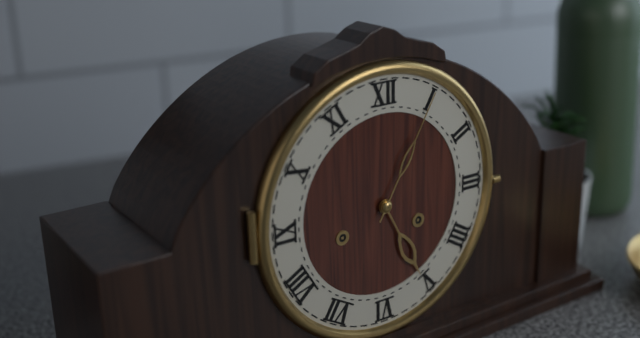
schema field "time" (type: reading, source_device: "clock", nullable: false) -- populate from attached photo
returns 5:05
